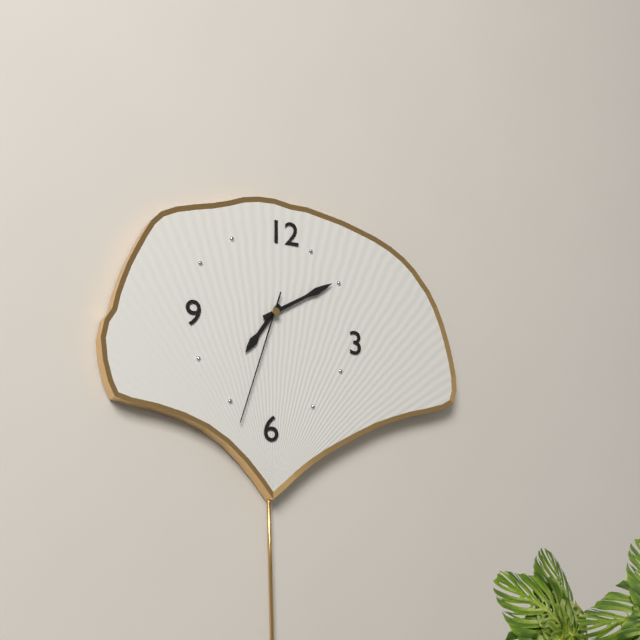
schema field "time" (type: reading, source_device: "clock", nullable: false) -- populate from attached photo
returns 7:10:33
